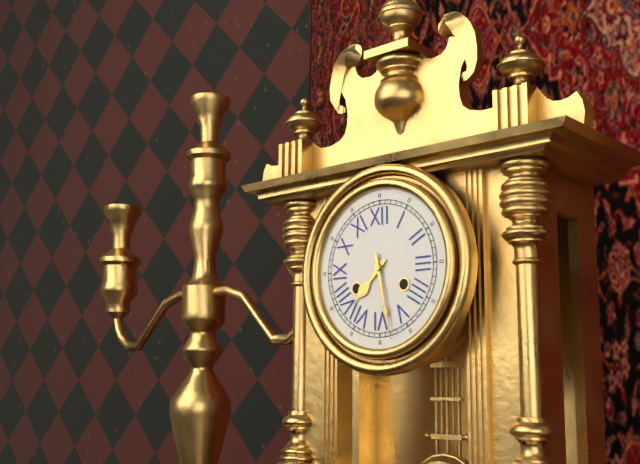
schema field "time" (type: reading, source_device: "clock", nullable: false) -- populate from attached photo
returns 7:28
